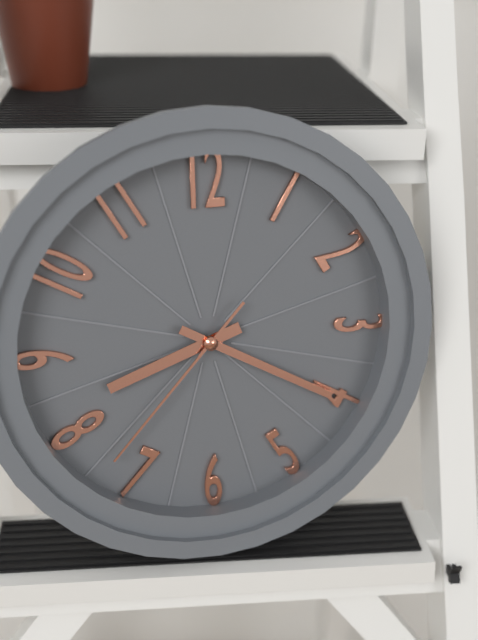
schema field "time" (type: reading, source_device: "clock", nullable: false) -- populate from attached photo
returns 8:20:37
